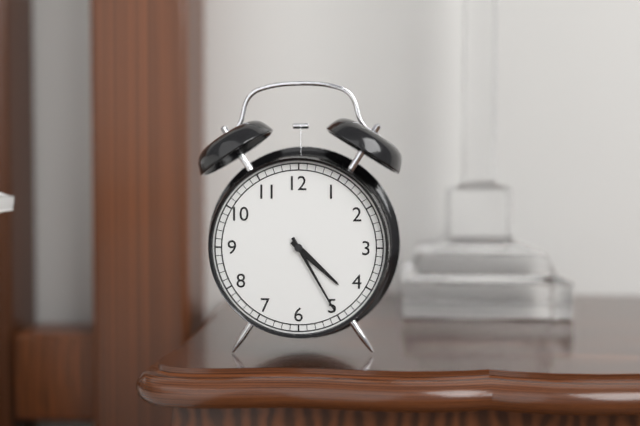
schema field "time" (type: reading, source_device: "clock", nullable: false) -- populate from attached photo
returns 4:25
